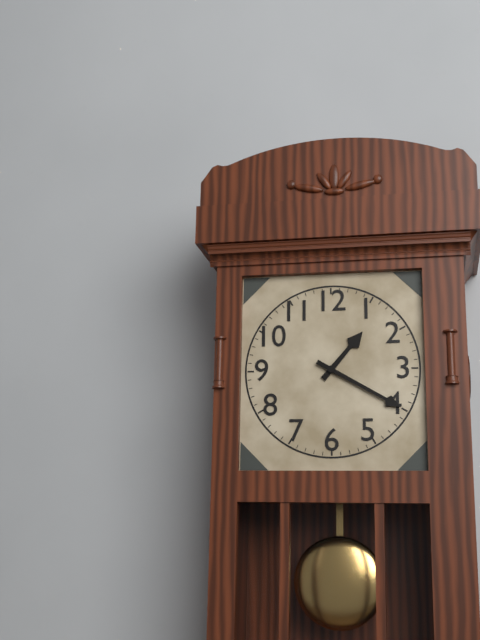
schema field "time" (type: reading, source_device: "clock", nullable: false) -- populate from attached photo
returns 1:20
